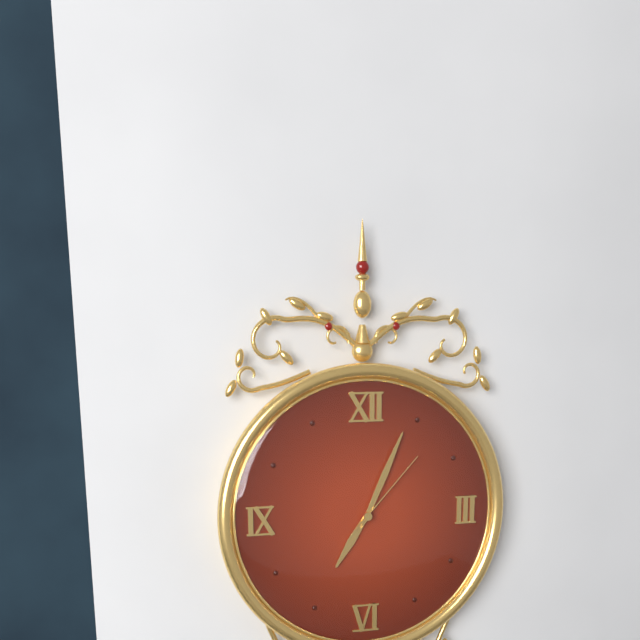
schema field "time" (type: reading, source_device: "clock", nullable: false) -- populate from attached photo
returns 7:04:07
